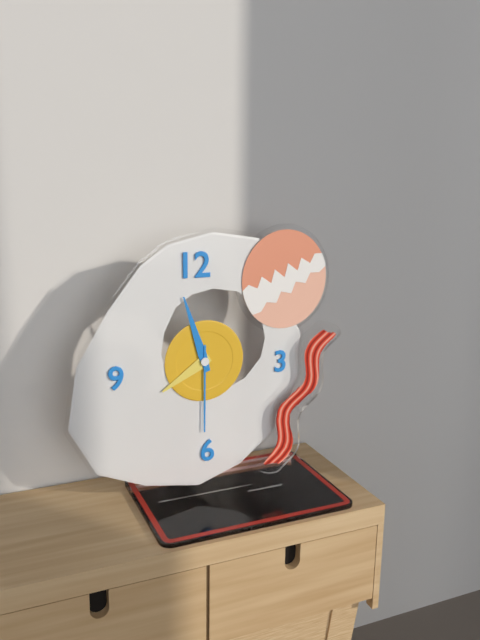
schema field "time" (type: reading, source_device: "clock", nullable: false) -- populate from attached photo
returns 7:57:30
